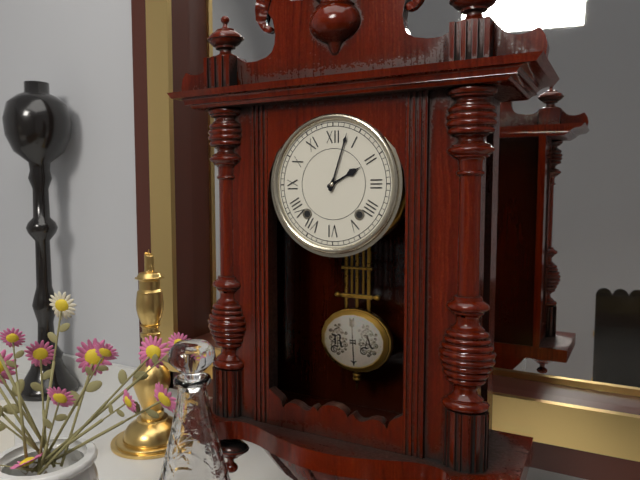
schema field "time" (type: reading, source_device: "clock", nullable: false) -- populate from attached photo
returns 2:03
